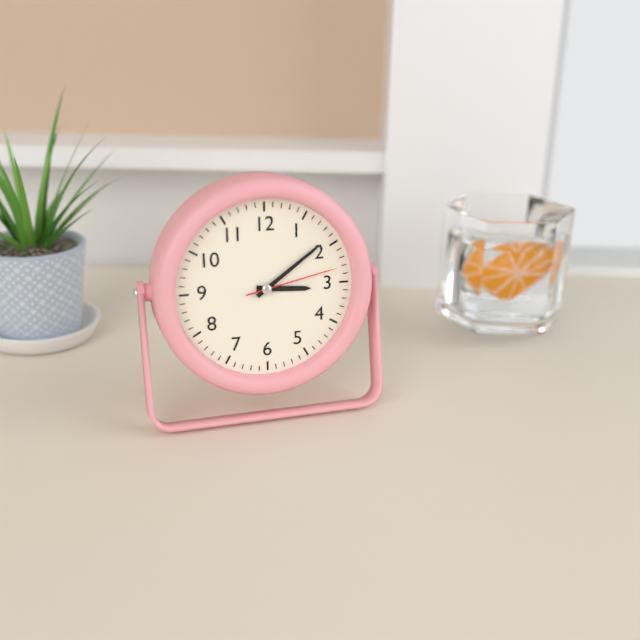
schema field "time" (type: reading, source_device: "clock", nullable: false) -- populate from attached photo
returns 3:09:13
